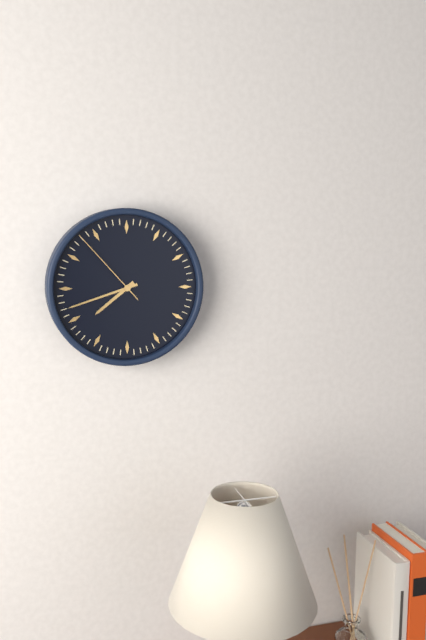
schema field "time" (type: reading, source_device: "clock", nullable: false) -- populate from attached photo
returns 7:42:53
